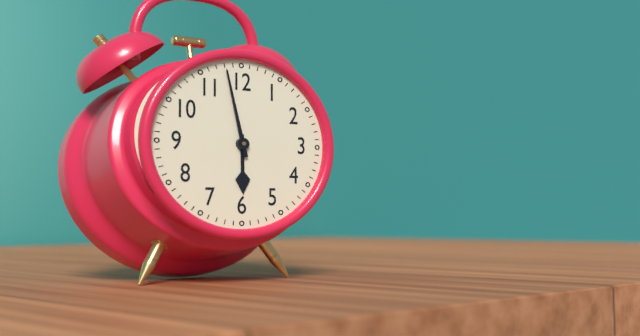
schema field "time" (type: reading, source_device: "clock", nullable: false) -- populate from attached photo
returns 5:58
